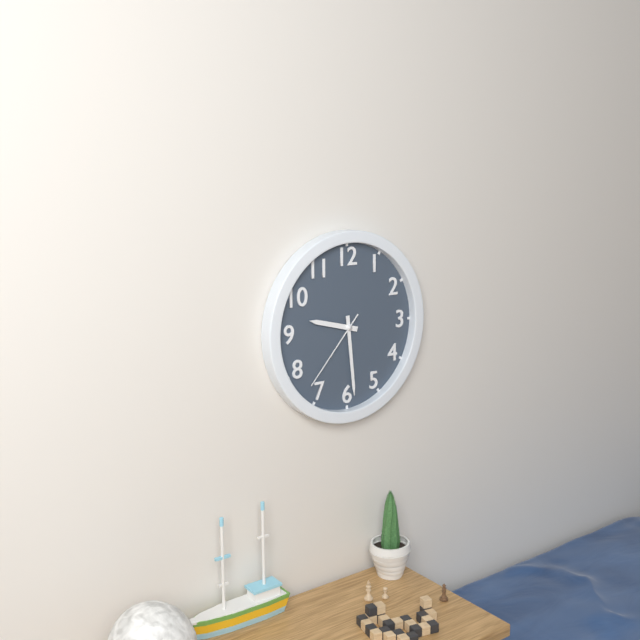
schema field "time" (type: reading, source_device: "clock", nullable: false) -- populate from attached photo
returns 9:29:37
